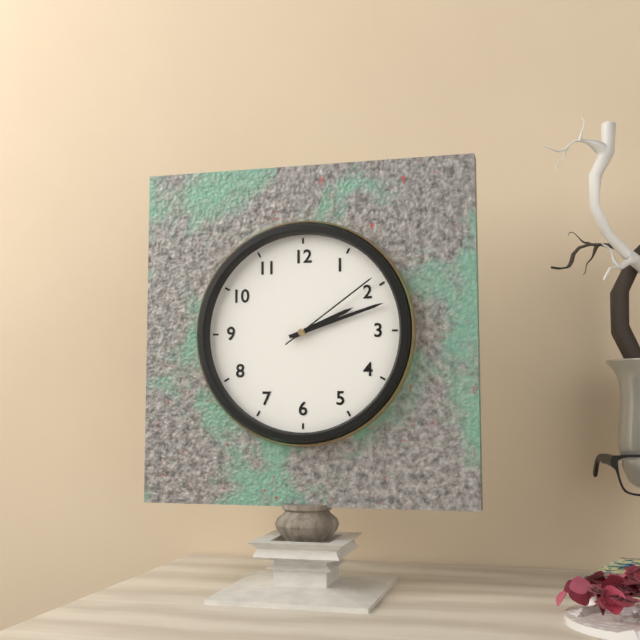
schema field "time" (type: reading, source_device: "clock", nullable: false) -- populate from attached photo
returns 2:12:09
